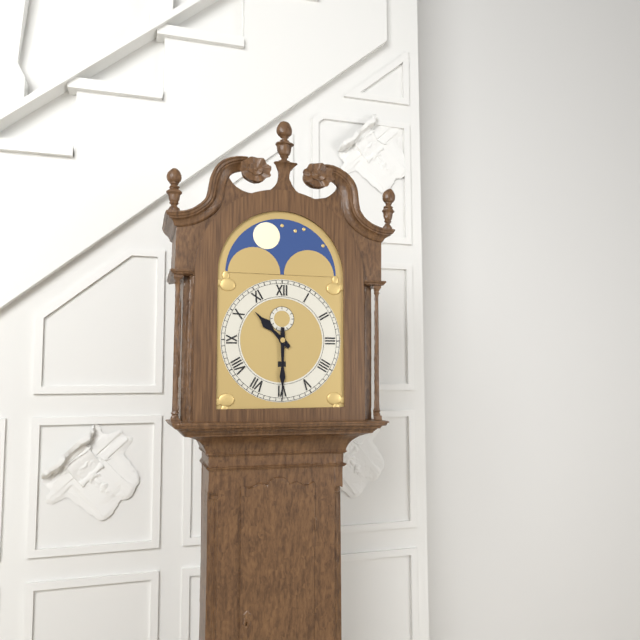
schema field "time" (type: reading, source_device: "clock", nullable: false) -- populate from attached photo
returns 10:30
